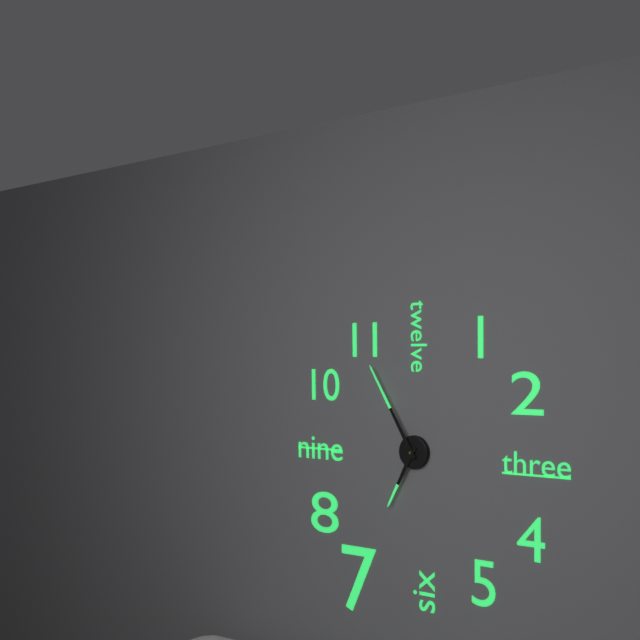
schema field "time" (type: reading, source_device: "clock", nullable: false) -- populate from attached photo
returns 6:55
